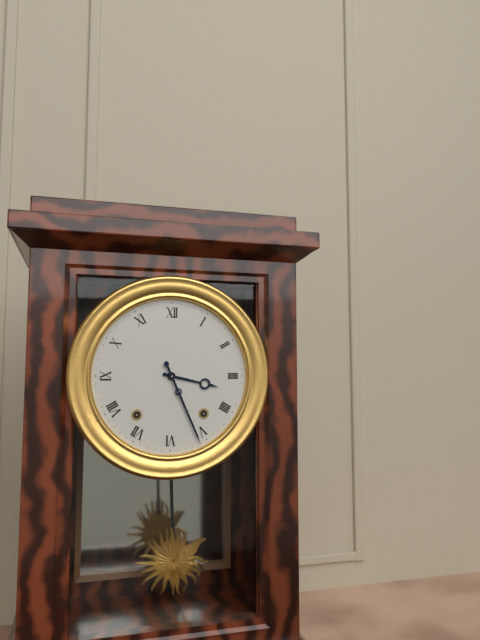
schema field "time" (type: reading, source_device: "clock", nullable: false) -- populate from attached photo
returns 3:26
